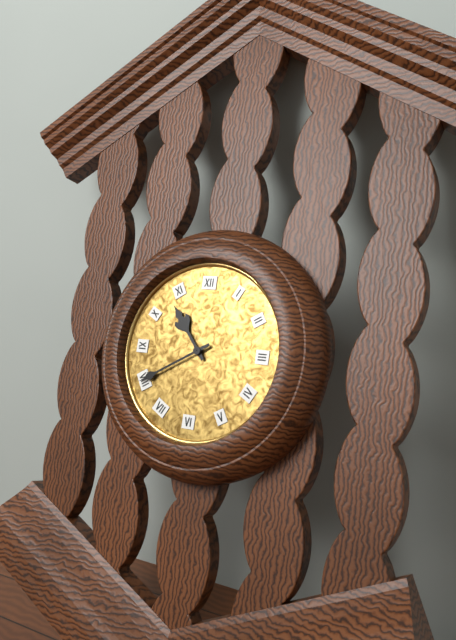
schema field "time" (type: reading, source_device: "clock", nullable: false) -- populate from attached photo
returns 10:40
